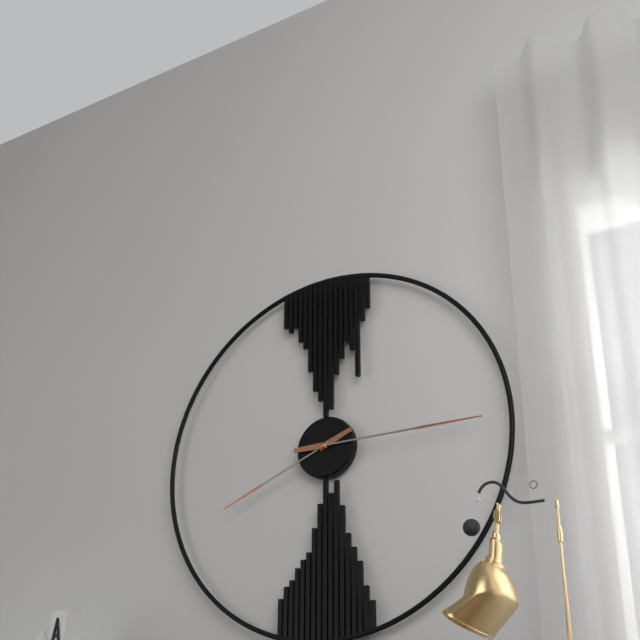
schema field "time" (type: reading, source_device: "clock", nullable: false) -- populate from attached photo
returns 8:15
